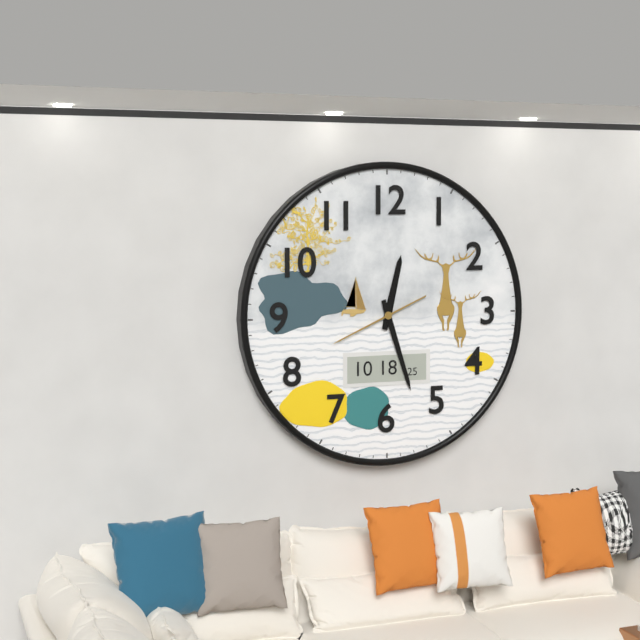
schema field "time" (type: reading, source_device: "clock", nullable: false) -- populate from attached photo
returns 12:27:41
